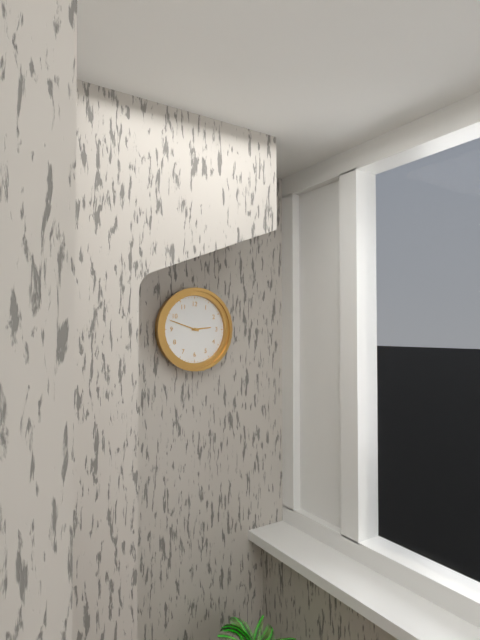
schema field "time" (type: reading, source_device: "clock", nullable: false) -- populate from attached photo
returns 2:48
